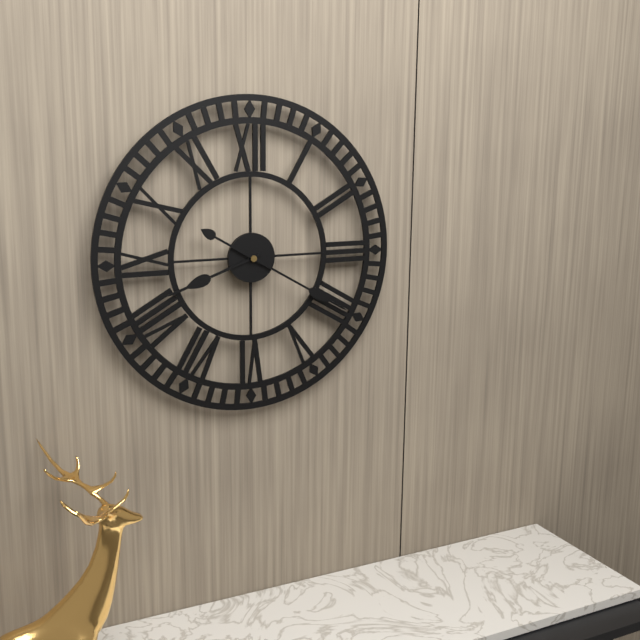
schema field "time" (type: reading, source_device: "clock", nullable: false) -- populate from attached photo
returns 8:20
